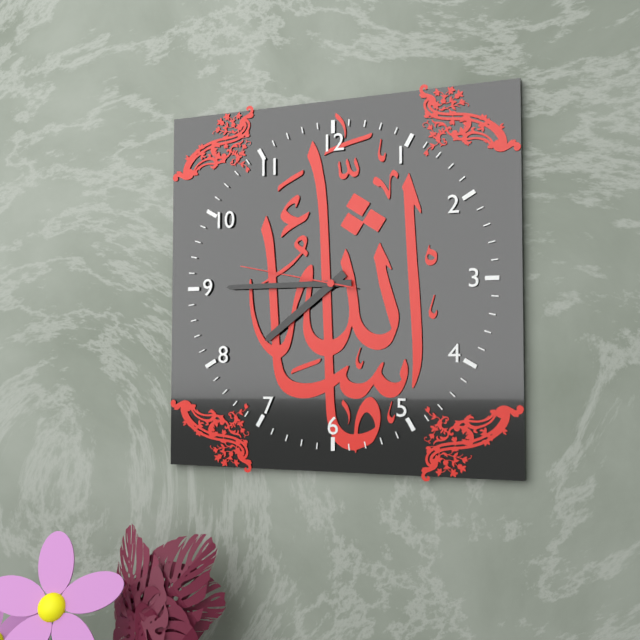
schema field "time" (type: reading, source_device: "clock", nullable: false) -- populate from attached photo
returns 7:45:47
